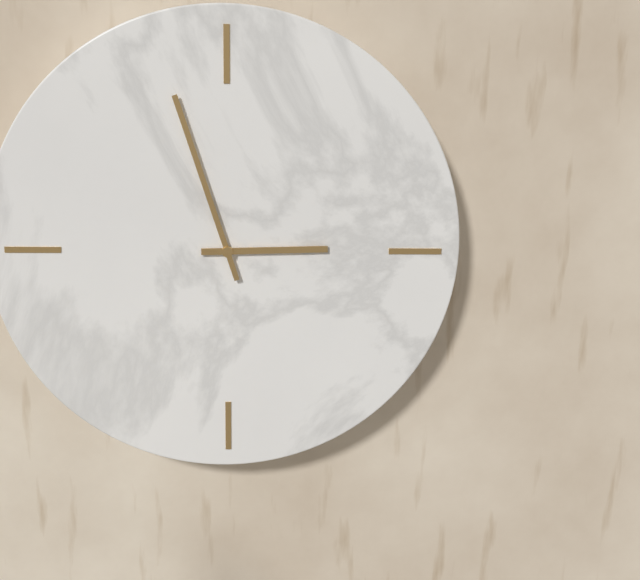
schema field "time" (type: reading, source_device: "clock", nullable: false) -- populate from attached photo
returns 2:57
